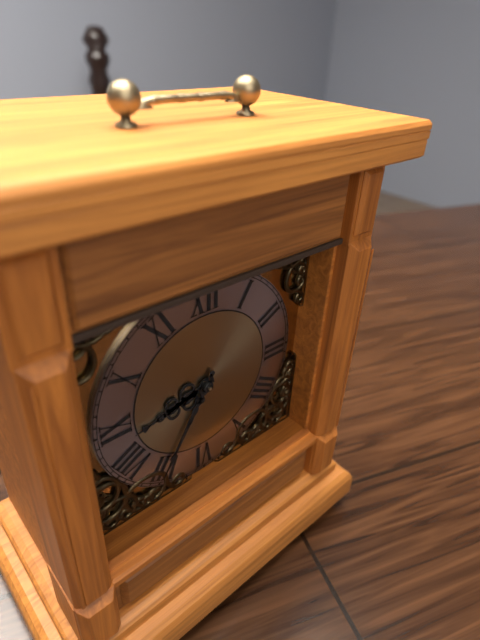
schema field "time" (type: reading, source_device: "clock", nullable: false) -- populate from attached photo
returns 8:35
